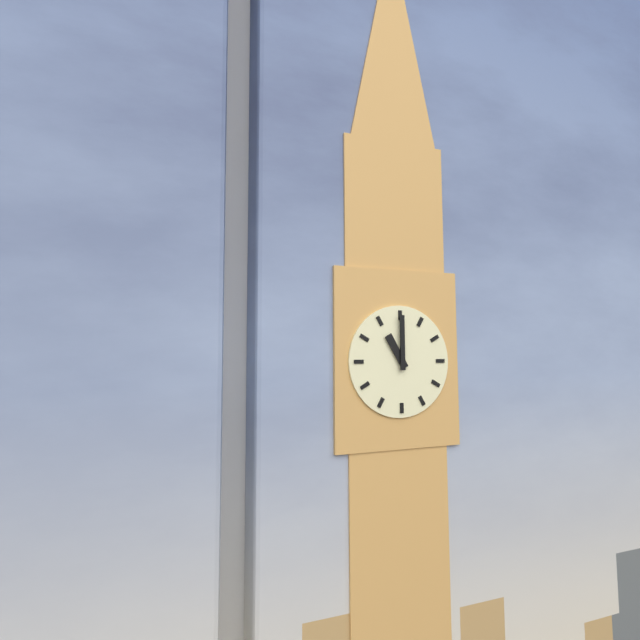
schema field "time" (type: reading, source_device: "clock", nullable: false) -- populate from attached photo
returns 11:00
